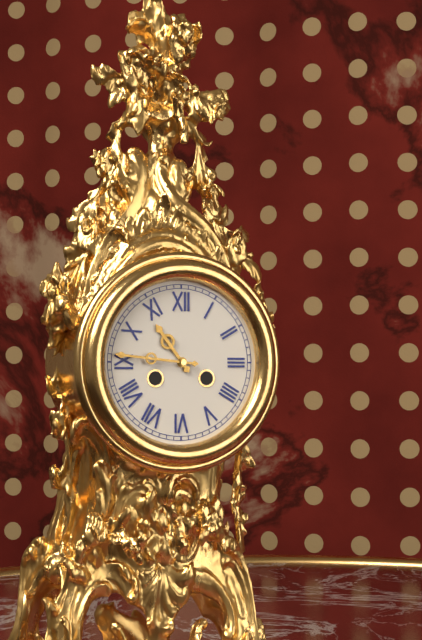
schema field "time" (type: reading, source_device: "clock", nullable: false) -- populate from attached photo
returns 10:46
